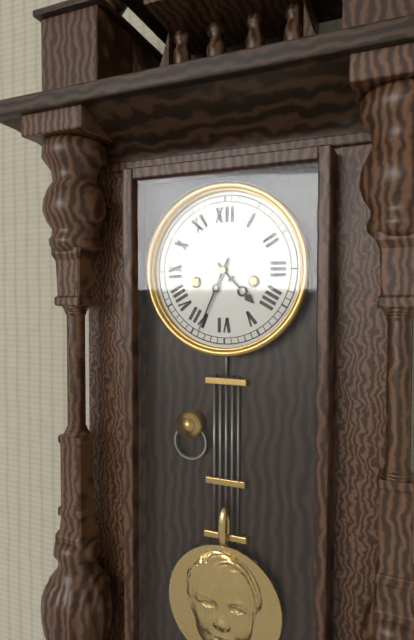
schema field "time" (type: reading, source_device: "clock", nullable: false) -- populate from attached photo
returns 4:34
